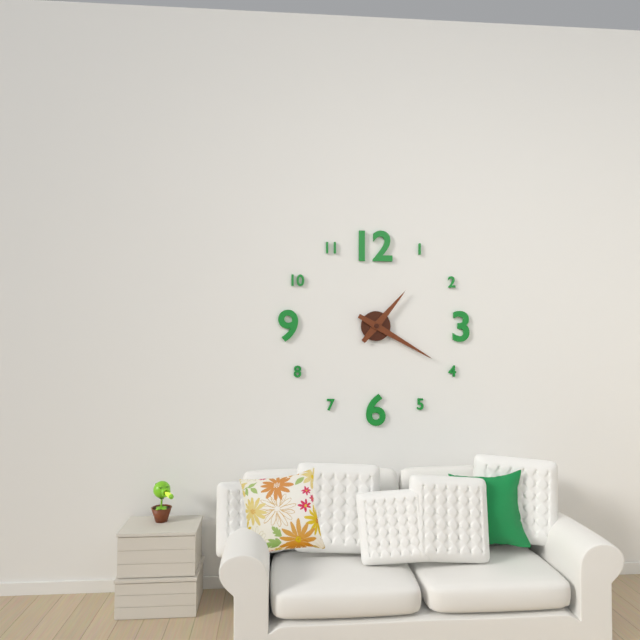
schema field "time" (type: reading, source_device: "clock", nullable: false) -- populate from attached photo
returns 1:20
